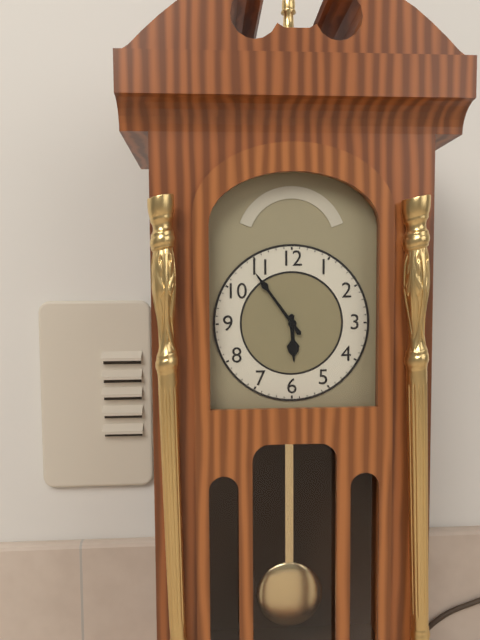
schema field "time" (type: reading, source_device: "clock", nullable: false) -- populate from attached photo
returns 5:54
